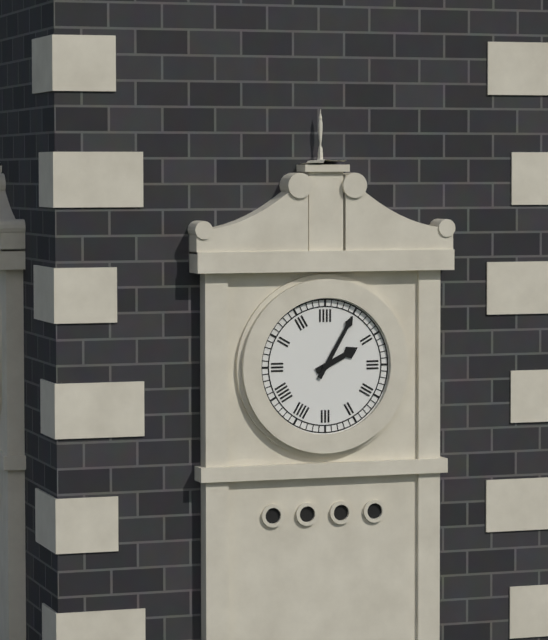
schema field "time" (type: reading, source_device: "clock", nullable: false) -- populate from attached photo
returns 2:05
